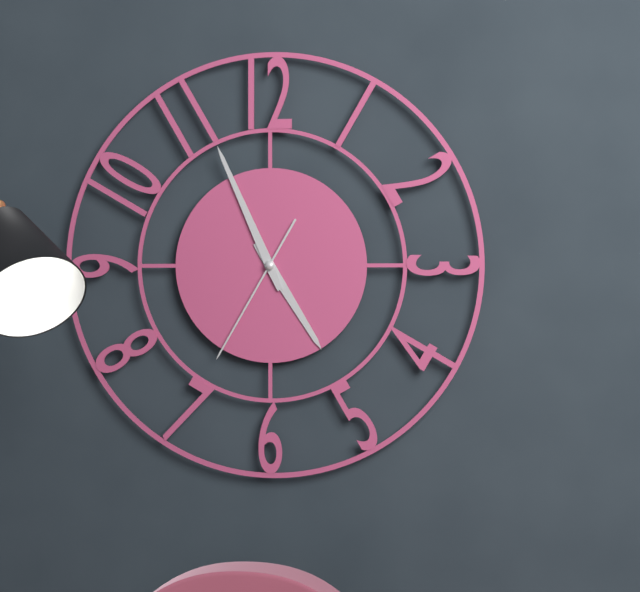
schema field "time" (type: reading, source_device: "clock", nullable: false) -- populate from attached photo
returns 4:56:35
